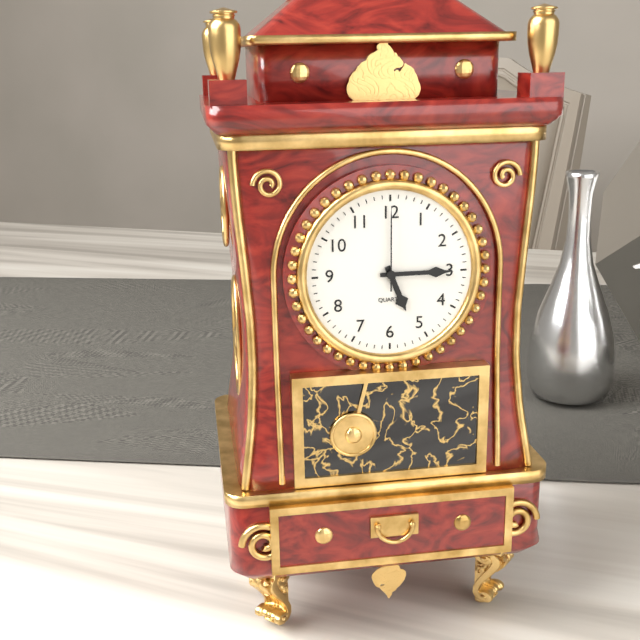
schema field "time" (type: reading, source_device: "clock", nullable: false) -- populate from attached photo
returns 5:15:00
